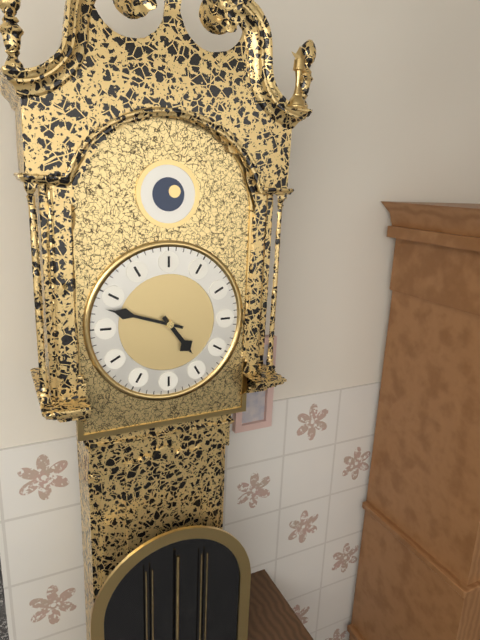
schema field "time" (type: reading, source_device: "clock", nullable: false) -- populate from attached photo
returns 4:48
